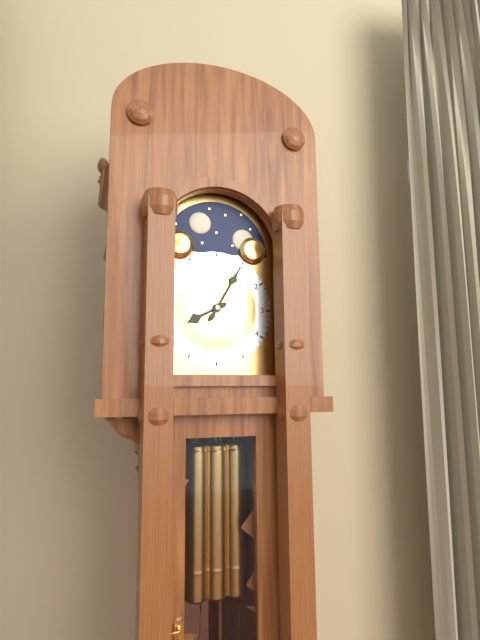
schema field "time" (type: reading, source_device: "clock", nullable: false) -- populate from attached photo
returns 8:05
